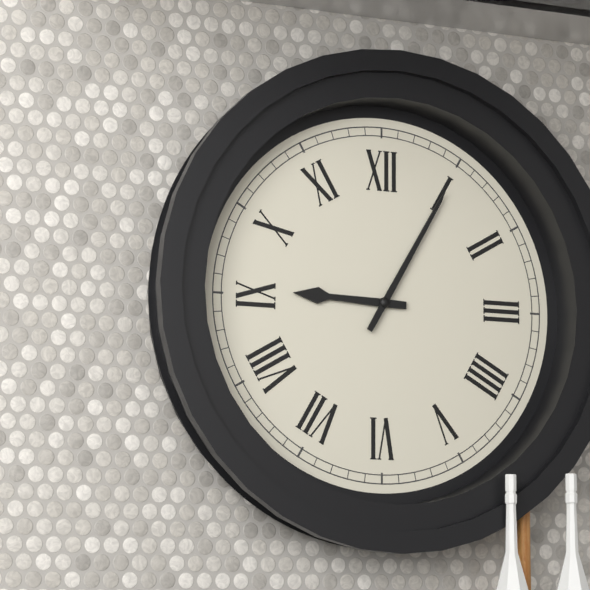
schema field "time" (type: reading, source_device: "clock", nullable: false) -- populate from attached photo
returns 9:05
